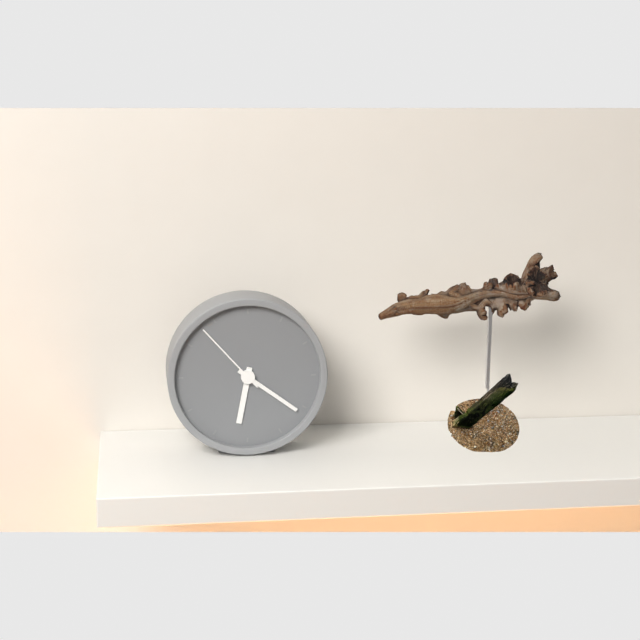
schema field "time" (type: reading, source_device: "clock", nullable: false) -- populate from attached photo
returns 6:21:53
